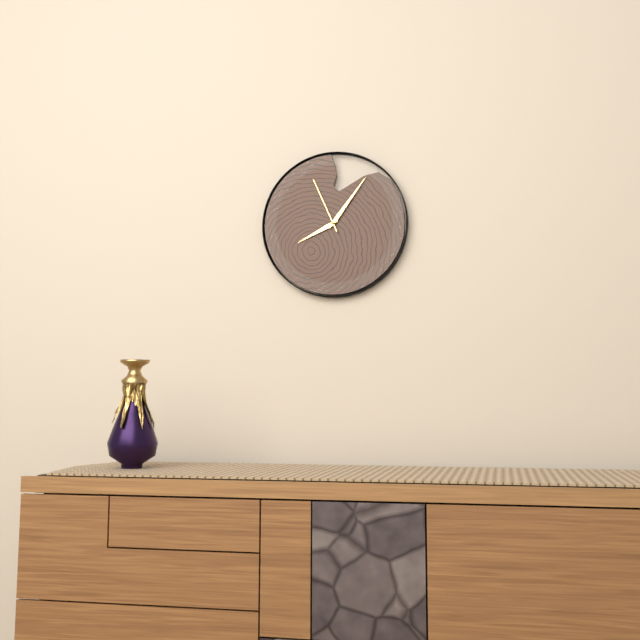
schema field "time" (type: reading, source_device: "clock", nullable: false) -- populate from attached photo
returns 8:06:56
